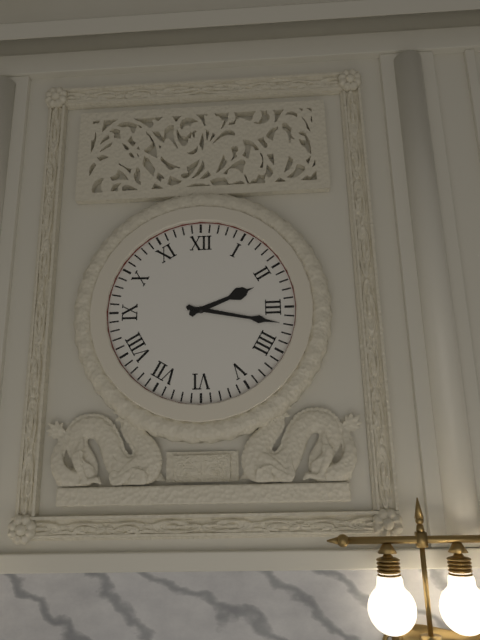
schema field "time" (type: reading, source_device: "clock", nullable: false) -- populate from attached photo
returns 2:17
